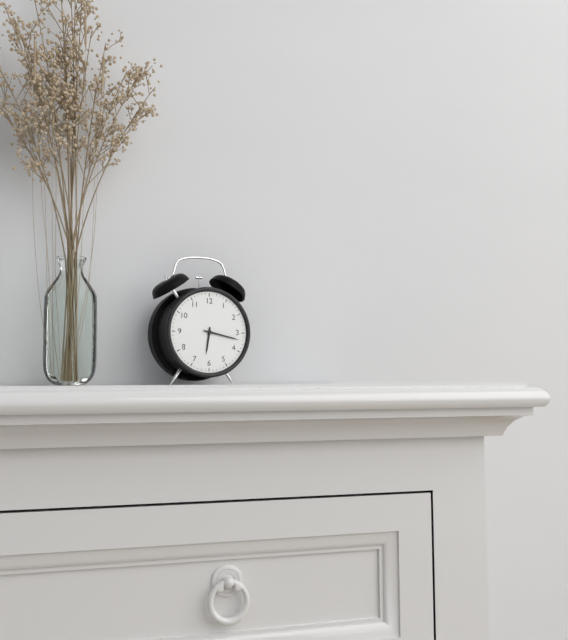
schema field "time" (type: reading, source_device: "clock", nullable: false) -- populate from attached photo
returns 6:17
